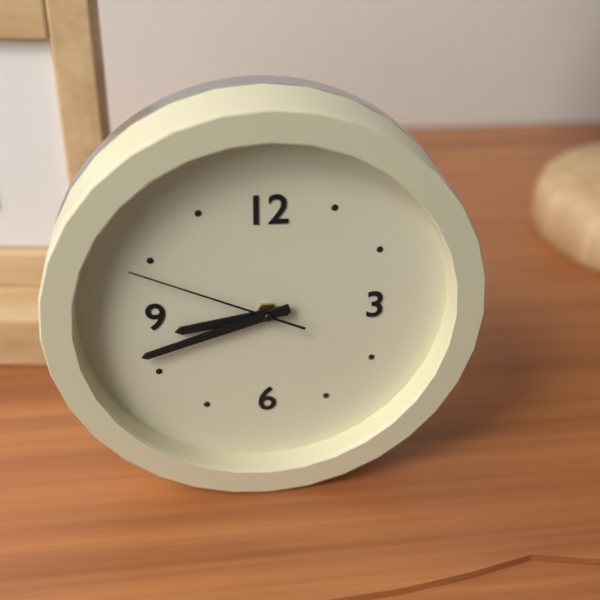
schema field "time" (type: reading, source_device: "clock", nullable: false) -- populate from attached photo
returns 8:42:49
